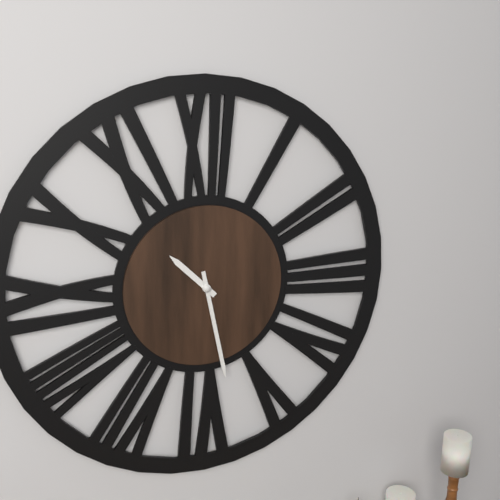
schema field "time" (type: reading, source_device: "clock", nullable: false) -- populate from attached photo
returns 10:28
